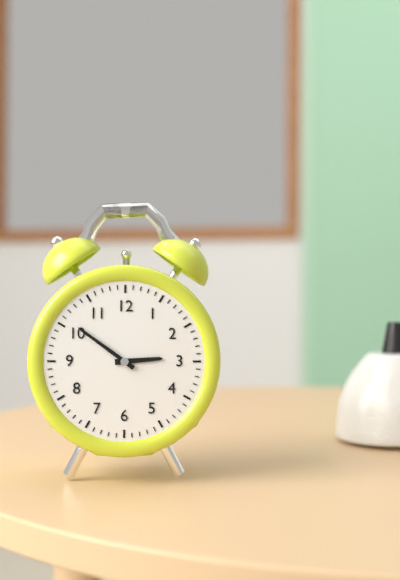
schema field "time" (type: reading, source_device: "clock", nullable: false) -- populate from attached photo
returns 2:51
